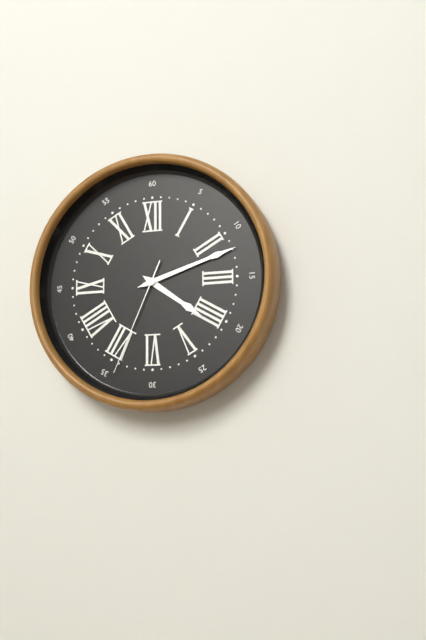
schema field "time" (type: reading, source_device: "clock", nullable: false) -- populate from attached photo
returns 4:12:34
